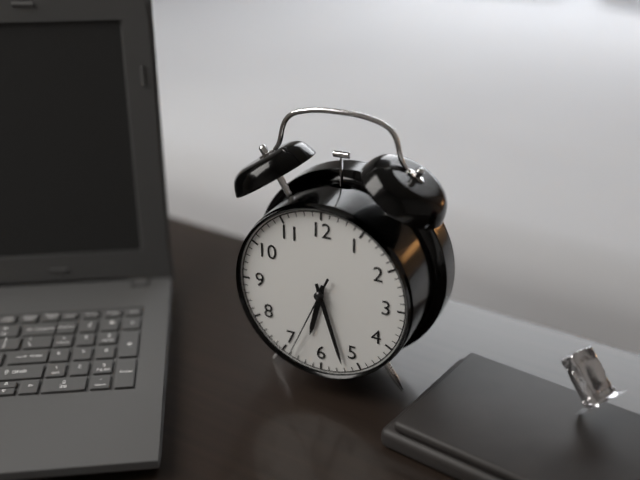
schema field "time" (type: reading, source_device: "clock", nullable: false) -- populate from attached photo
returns 6:27:34
